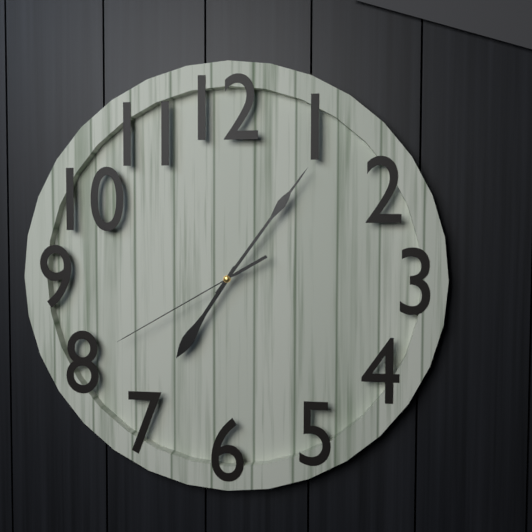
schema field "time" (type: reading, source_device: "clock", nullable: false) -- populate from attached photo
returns 7:06:40
